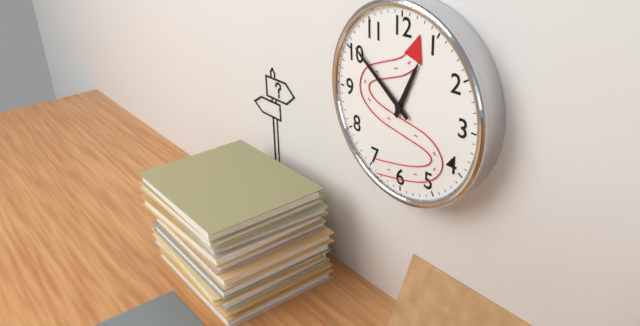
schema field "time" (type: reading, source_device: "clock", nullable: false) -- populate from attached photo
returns 12:51
